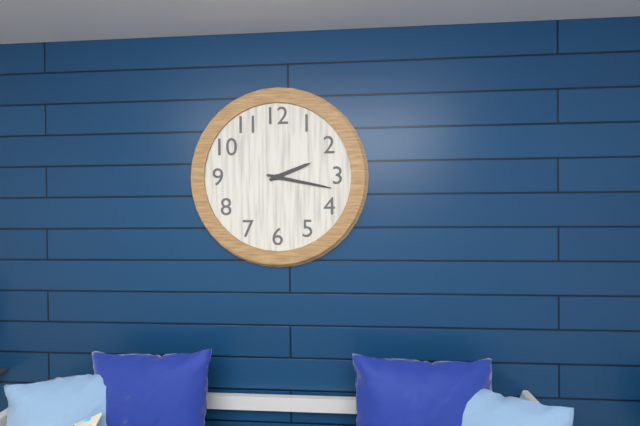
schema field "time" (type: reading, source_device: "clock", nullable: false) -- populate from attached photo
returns 2:17
